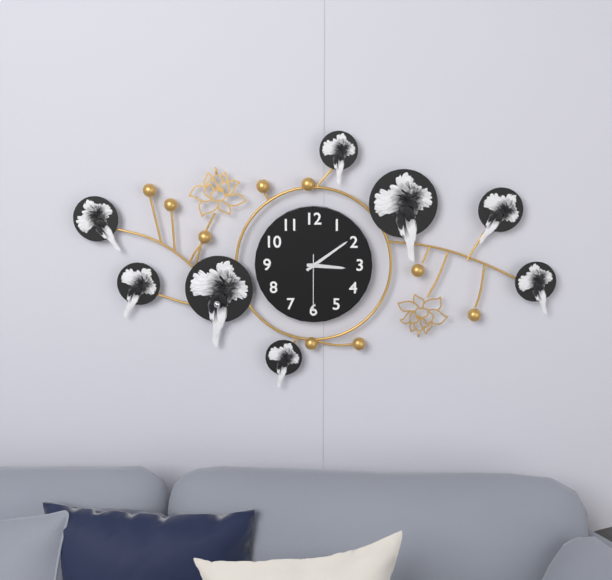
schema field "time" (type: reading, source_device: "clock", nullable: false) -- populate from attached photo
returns 3:09:30
